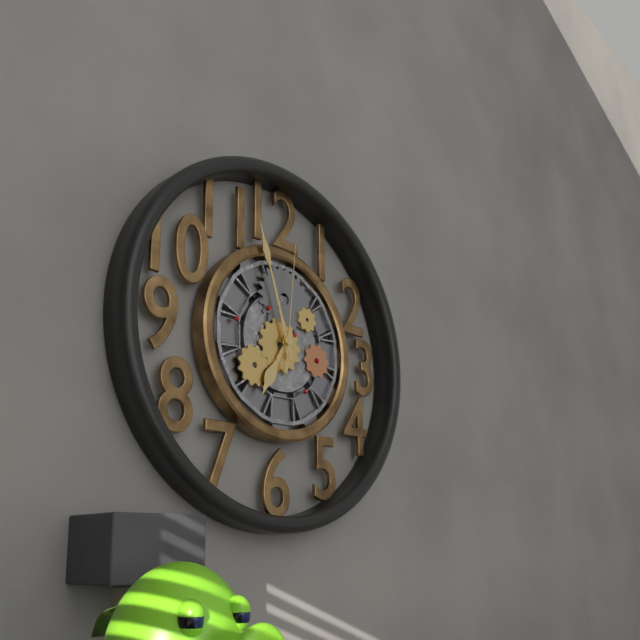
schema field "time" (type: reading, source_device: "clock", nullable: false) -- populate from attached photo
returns 6:57:01
